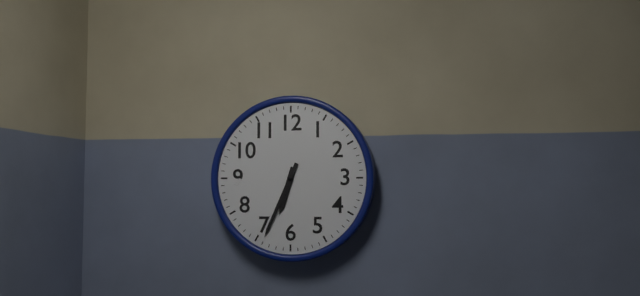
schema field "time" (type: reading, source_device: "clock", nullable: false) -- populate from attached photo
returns 6:34
